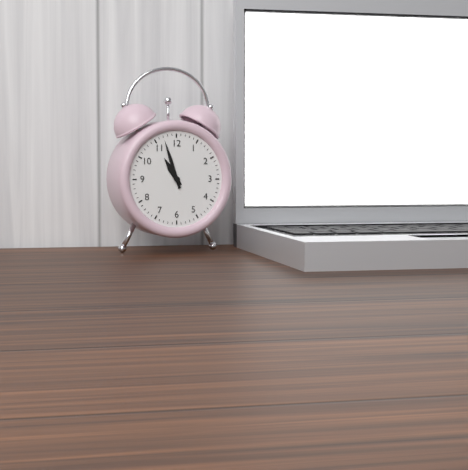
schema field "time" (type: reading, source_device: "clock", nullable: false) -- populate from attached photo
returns 10:57
